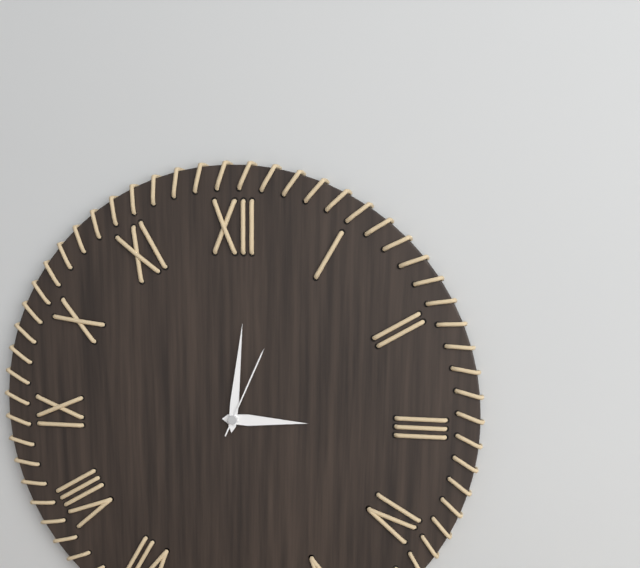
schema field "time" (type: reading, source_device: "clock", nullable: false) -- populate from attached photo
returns 3:01:04
